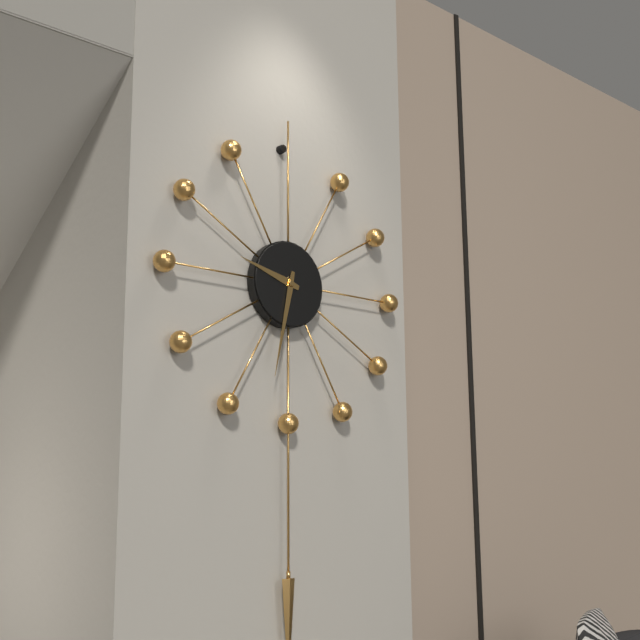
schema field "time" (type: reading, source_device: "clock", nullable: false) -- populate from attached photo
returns 9:32
